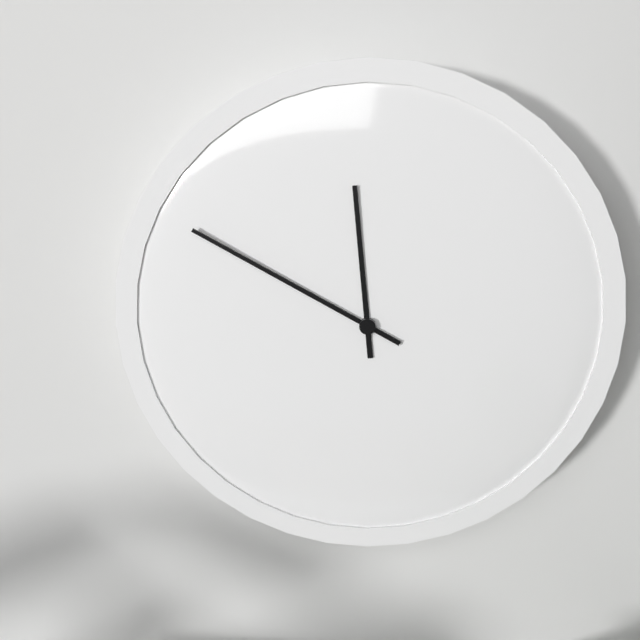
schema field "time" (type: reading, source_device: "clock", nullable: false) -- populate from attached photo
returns 11:50
